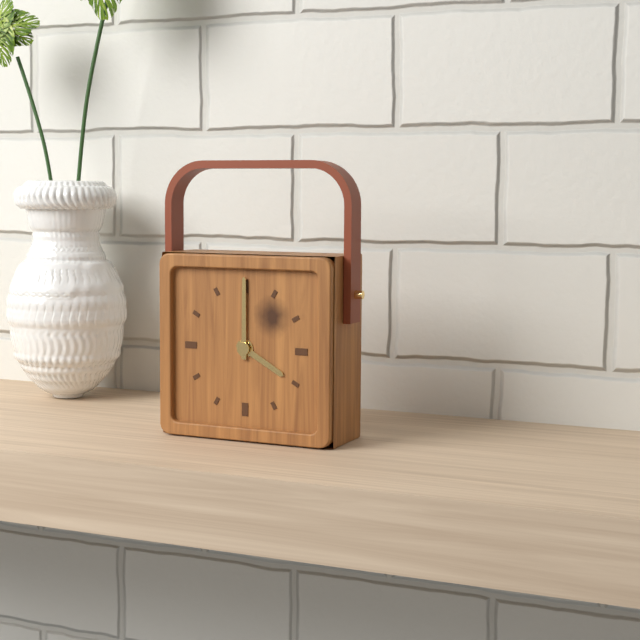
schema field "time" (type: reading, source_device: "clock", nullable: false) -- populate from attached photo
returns 4:00
